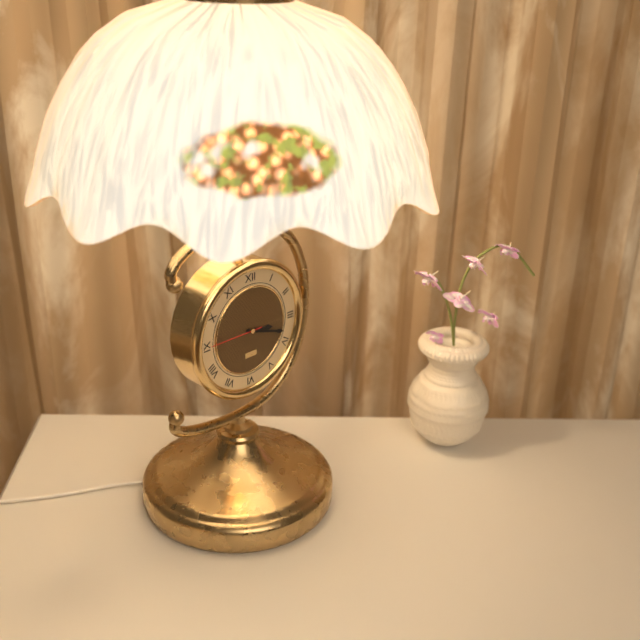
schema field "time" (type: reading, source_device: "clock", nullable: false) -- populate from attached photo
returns 3:18:45
